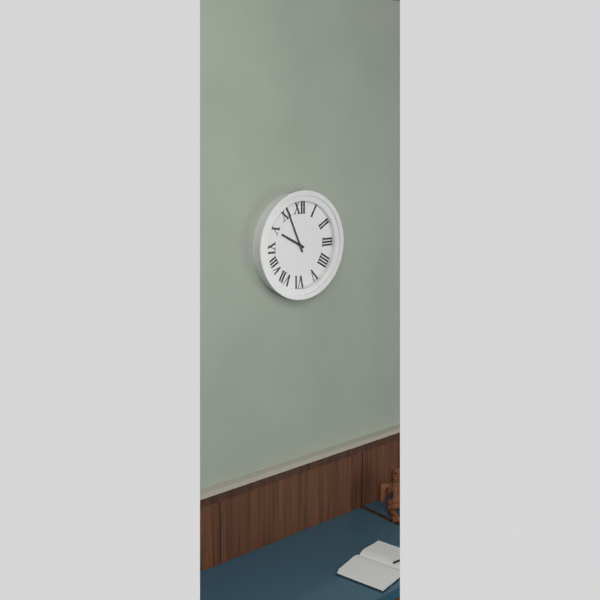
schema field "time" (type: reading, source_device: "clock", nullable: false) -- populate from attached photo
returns 9:56
